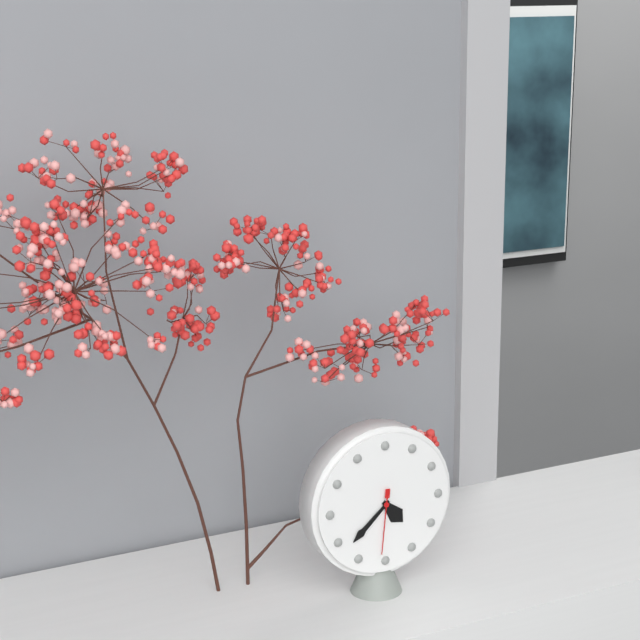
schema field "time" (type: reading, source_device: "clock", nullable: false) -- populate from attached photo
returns 4:38:31
